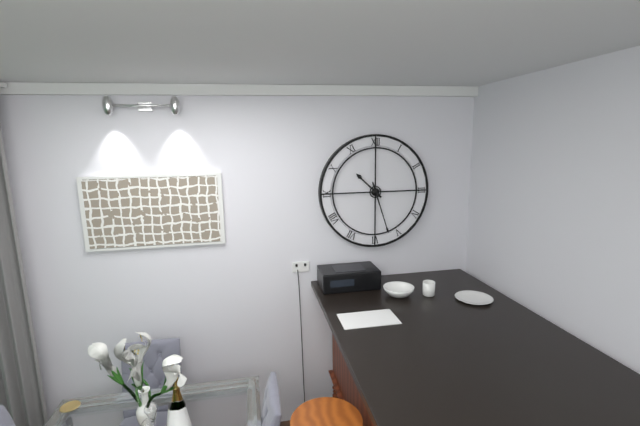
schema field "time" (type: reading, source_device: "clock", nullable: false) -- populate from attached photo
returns 10:27
